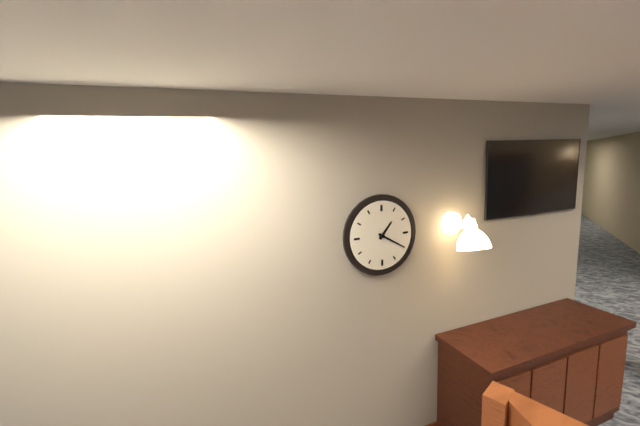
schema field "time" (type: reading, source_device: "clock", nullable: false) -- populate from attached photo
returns 1:20
